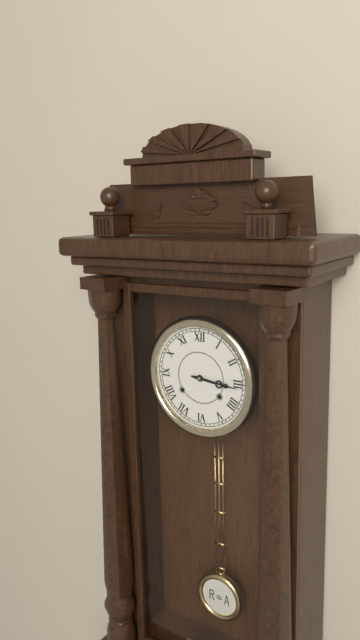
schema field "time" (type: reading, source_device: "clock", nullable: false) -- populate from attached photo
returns 3:16
